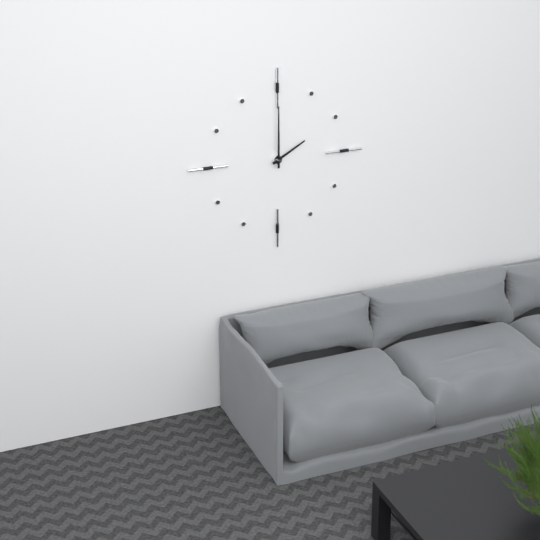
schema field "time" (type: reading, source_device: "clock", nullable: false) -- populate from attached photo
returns 2:00
